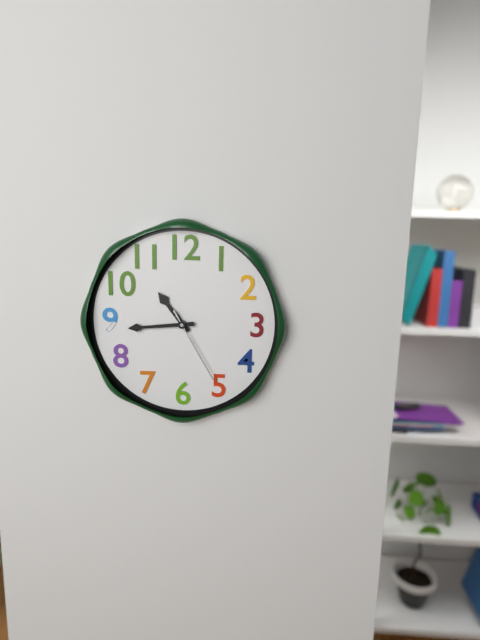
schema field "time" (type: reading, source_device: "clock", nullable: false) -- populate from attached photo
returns 10:44:25
